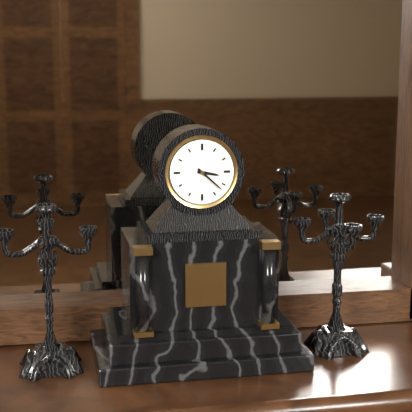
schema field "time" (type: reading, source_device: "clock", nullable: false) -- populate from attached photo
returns 3:22
